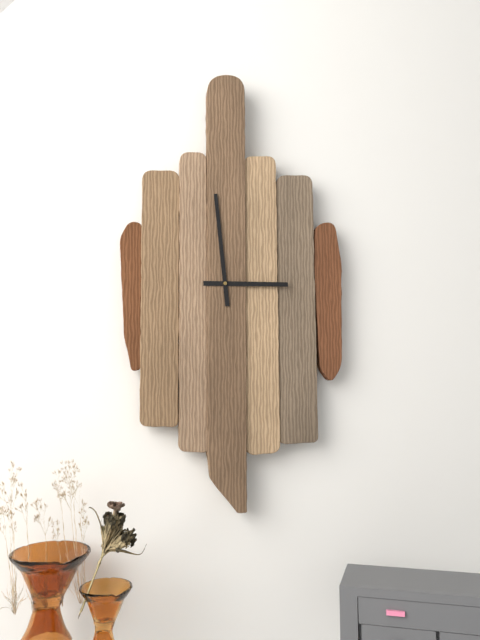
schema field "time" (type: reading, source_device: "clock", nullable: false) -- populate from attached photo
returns 2:59
